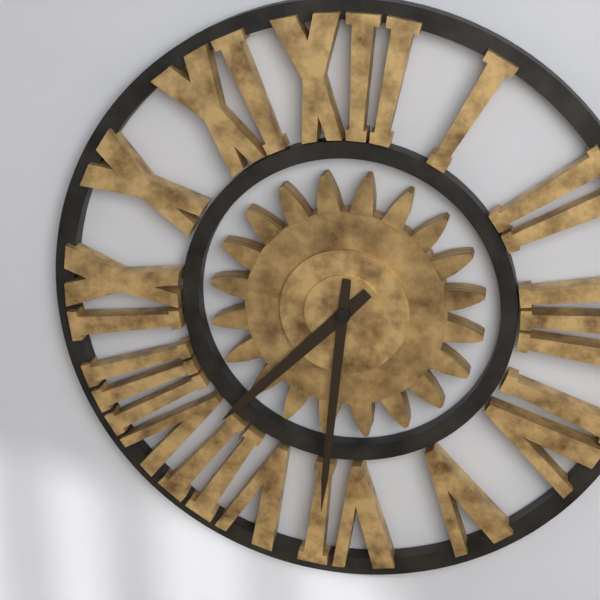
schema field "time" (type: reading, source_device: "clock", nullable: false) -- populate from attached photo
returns 7:31
